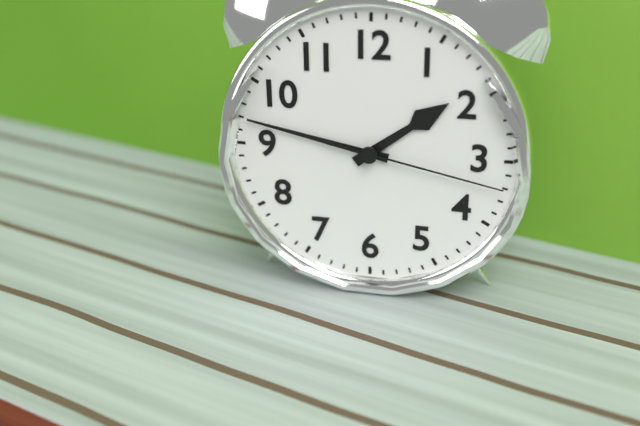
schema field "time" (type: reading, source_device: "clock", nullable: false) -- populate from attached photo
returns 1:47:17
